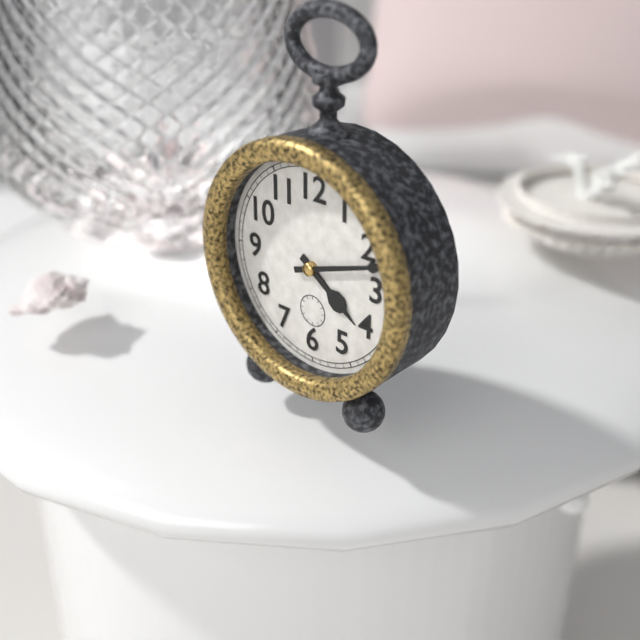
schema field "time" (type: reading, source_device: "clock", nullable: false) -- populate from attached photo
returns 4:12
